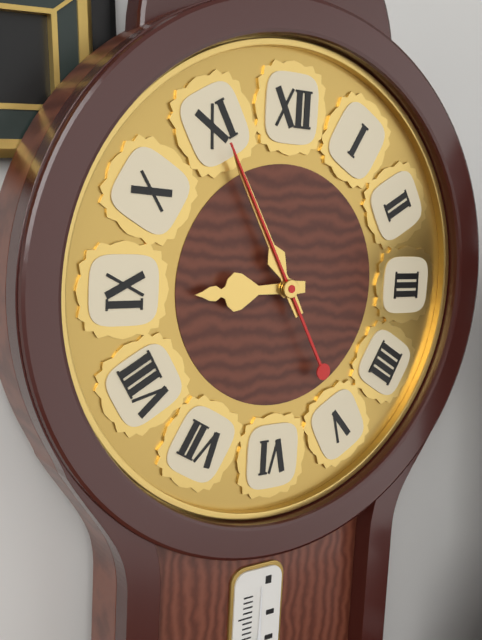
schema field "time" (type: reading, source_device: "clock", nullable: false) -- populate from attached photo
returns 8:55:55
